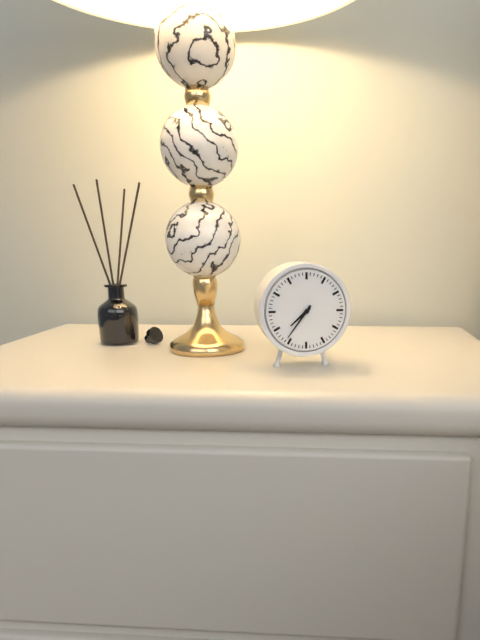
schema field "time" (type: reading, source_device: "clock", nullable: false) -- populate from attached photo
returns 7:36
